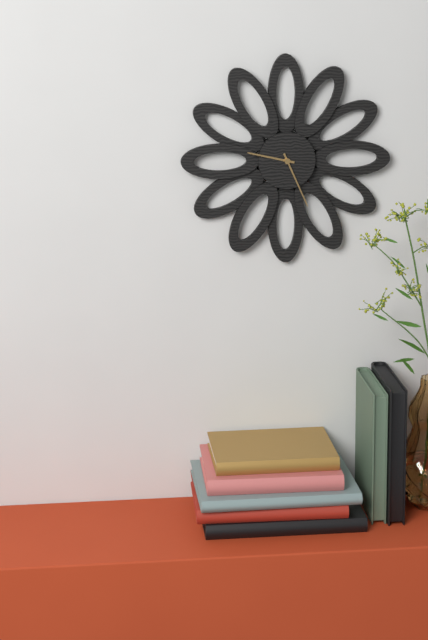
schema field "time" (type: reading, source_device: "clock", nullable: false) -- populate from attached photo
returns 9:26
